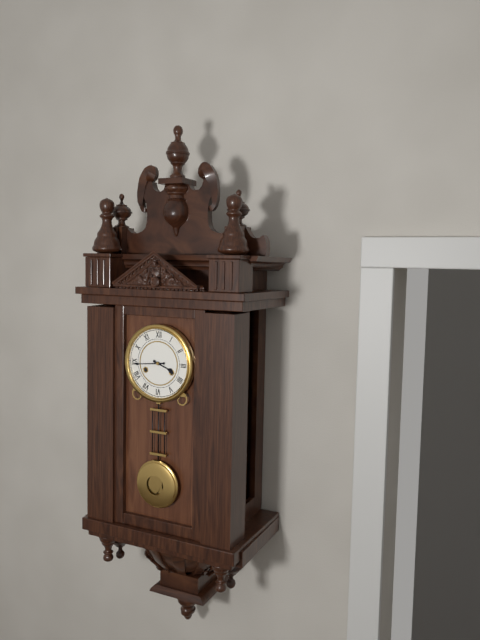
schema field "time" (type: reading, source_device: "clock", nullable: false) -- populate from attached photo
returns 3:44
